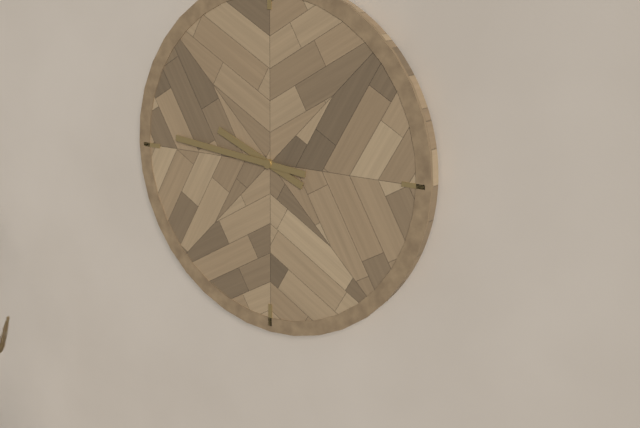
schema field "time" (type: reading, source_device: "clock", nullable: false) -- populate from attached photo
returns 9:46
